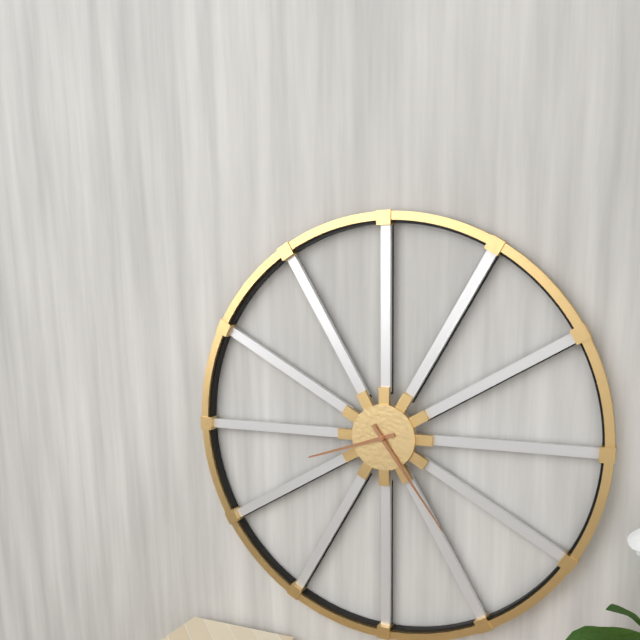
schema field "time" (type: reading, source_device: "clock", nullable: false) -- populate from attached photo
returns 8:24
